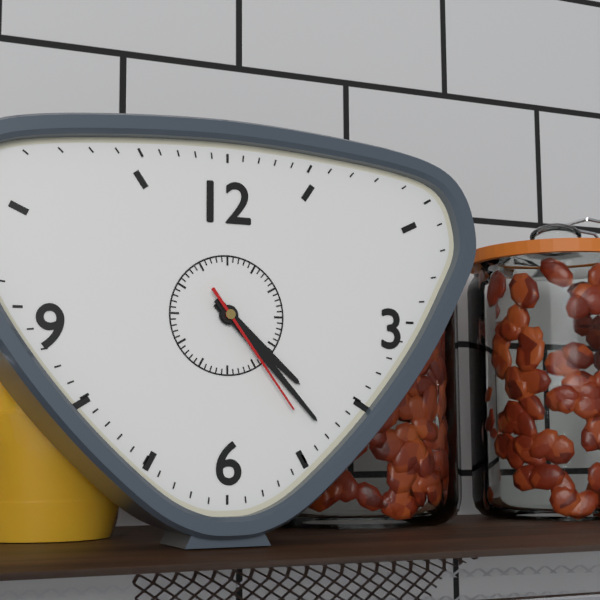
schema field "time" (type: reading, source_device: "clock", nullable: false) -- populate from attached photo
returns 4:23:24
